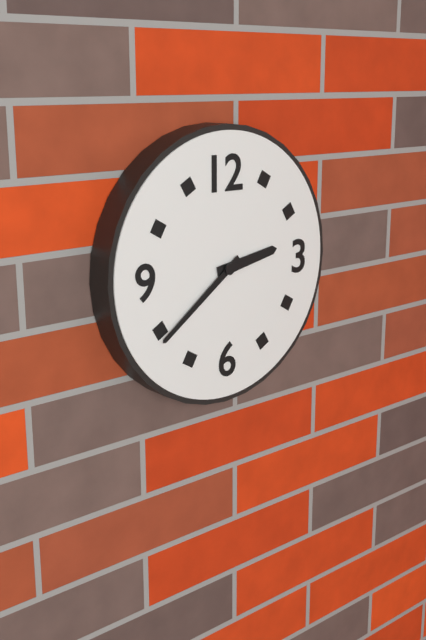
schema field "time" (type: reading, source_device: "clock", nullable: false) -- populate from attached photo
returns 2:39
